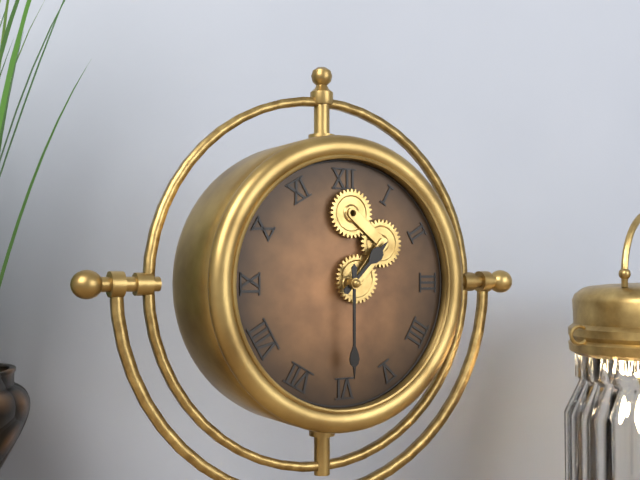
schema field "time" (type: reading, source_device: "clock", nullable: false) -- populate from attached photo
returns 1:30
